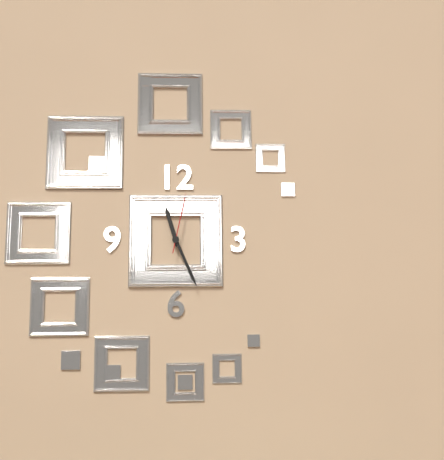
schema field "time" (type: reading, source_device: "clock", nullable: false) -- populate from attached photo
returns 11:26:02
